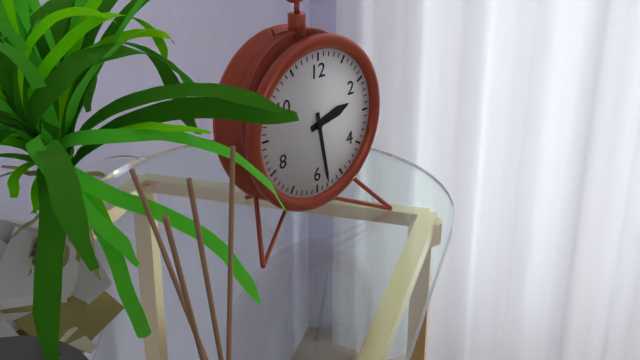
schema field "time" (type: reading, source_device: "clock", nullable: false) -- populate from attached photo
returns 2:28
